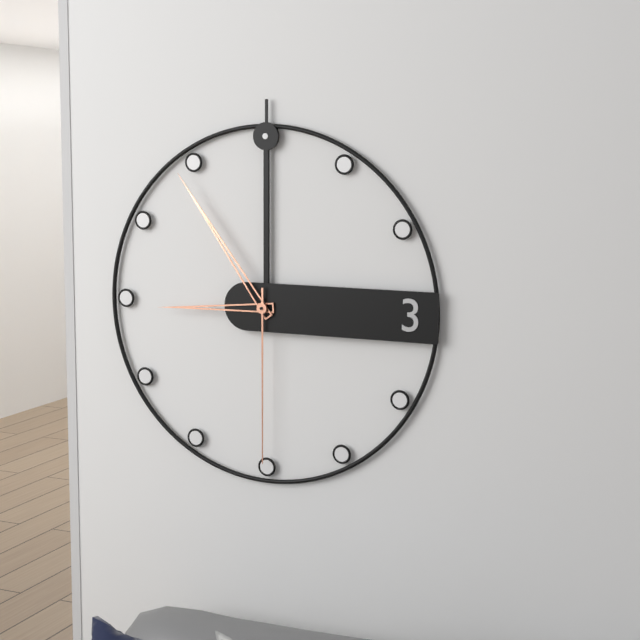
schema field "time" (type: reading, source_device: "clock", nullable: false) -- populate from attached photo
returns 8:54:30
